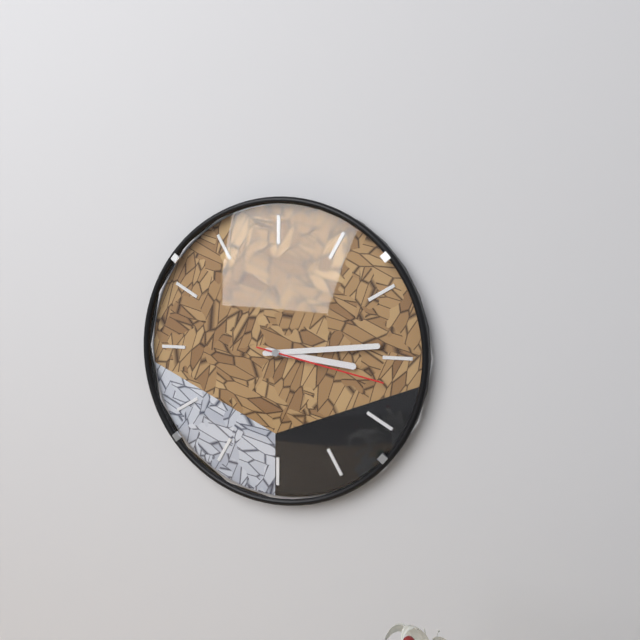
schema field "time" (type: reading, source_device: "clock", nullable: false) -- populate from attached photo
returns 3:14:17
